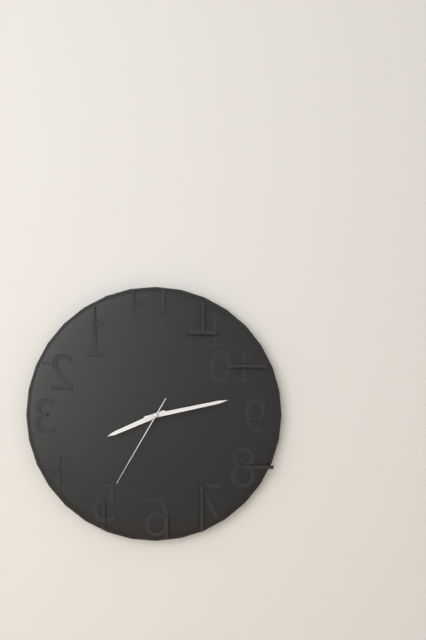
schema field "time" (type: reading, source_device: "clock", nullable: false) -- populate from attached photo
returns 8:13:35
